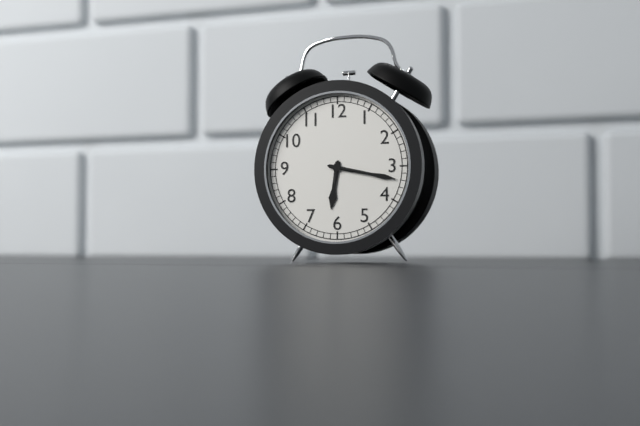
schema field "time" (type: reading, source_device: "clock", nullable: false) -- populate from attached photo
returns 6:17
